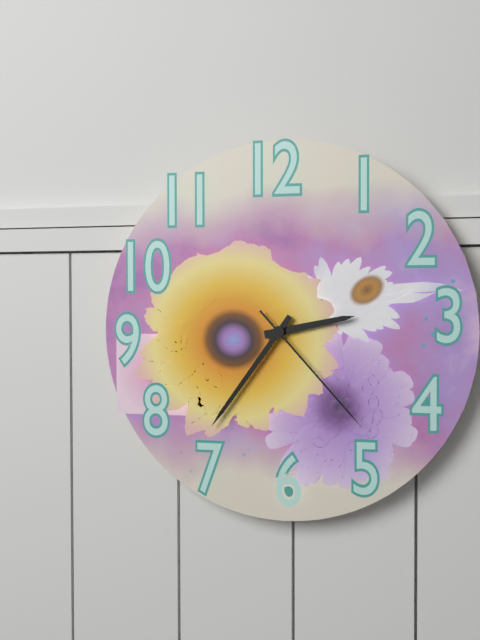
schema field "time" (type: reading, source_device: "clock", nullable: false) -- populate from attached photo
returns 2:36:23
